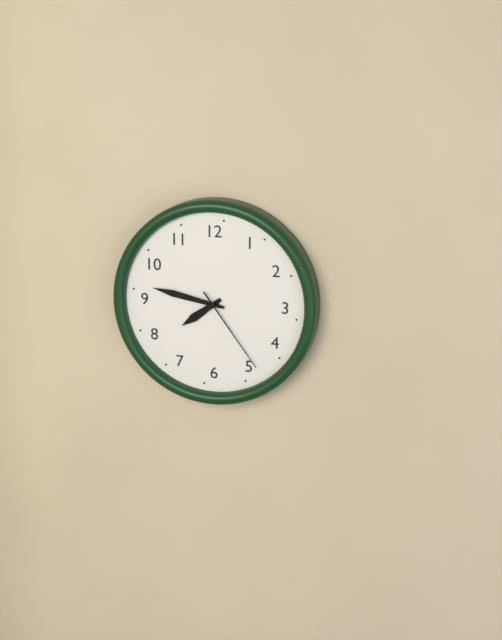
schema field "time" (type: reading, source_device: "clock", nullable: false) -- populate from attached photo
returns 7:47:24
